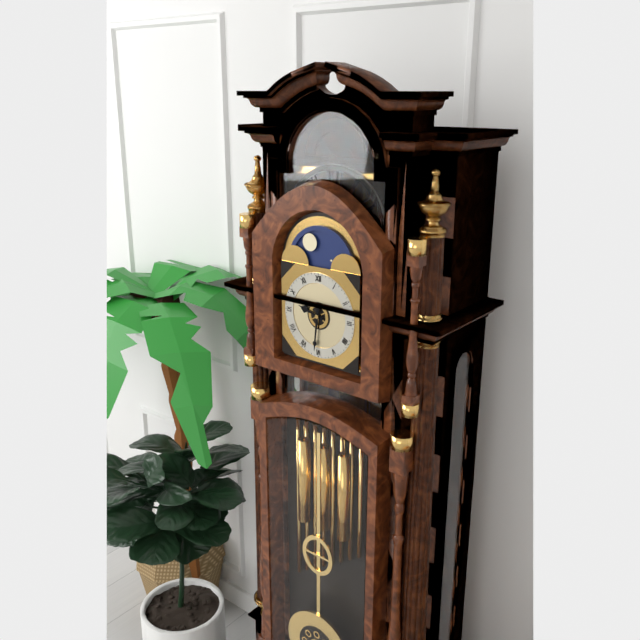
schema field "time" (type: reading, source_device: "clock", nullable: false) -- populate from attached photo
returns 9:31
